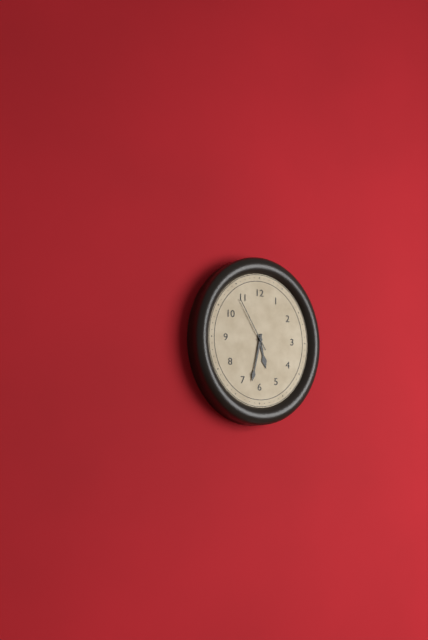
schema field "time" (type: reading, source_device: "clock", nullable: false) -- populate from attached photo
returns 5:32:55
